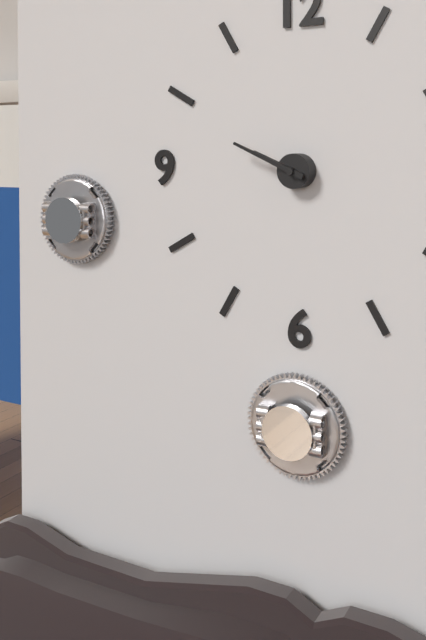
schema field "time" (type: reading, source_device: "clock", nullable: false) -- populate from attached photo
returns 9:49
